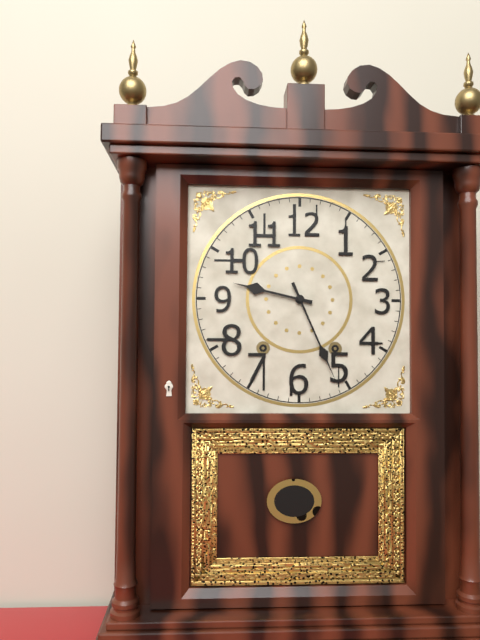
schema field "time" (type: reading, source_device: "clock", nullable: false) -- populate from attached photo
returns 9:26
